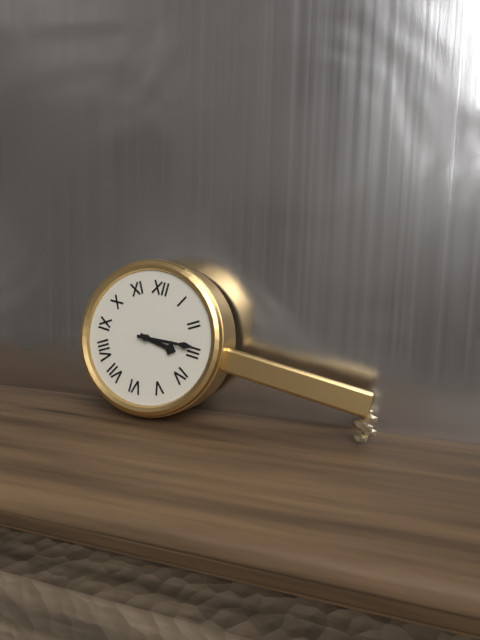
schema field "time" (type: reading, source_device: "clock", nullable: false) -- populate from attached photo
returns 3:14
